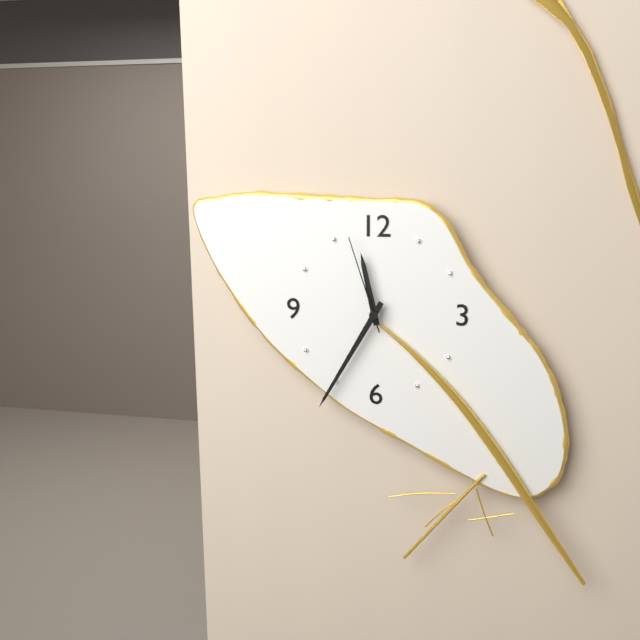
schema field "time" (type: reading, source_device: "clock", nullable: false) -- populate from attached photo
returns 11:35:57
